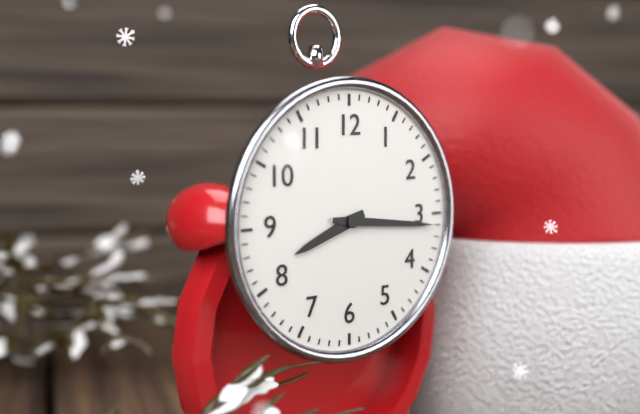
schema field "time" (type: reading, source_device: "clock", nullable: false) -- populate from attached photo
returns 8:16
